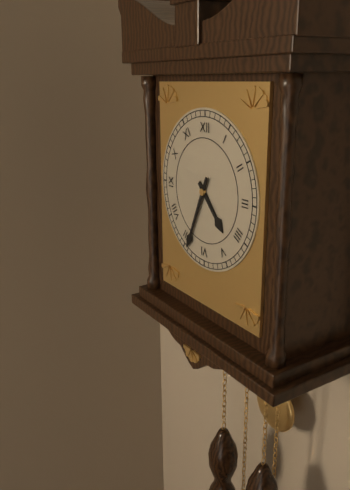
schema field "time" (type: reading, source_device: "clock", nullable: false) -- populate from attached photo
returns 4:34
